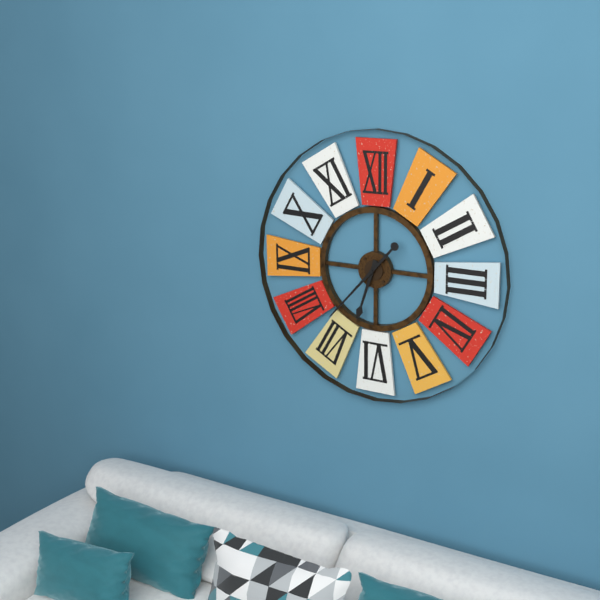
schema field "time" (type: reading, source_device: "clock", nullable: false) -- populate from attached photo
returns 6:37
